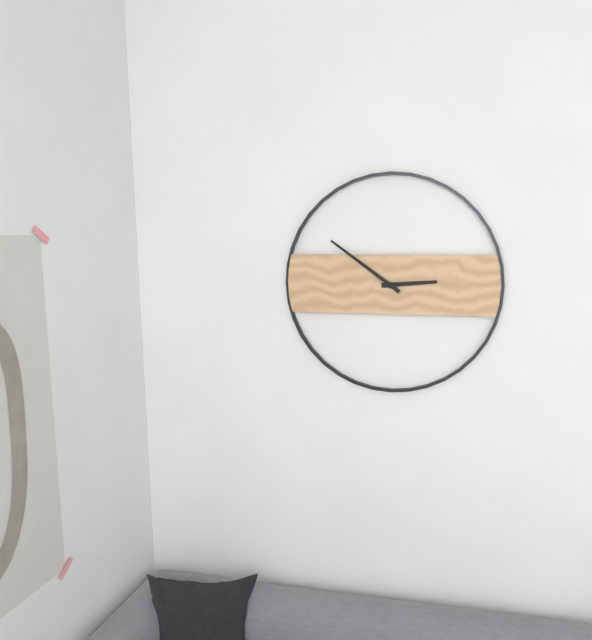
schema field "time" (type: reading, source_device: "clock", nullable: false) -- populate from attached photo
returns 2:51
